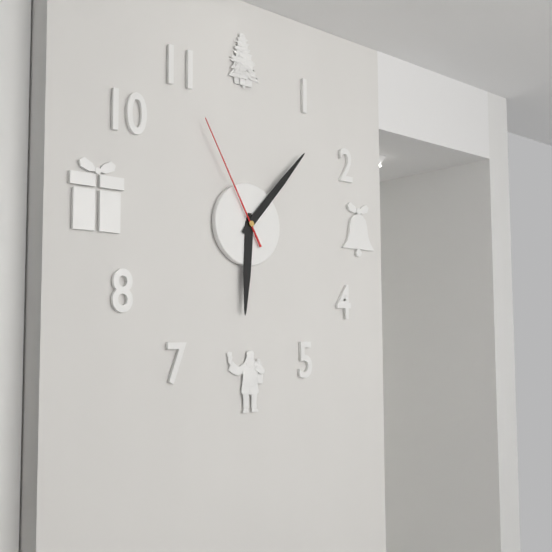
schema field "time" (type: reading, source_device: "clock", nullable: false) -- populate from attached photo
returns 6:07:55
